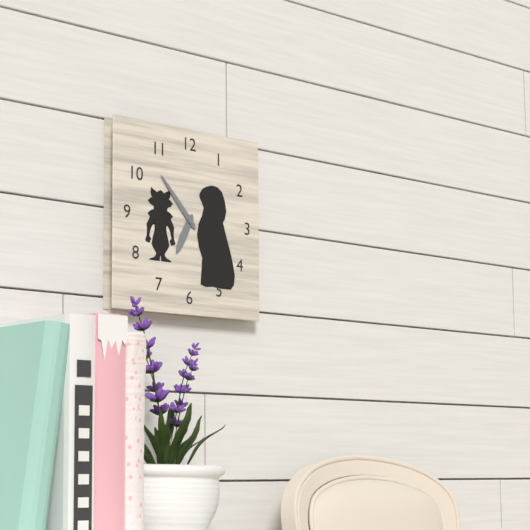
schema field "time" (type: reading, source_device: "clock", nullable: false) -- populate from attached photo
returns 6:53
